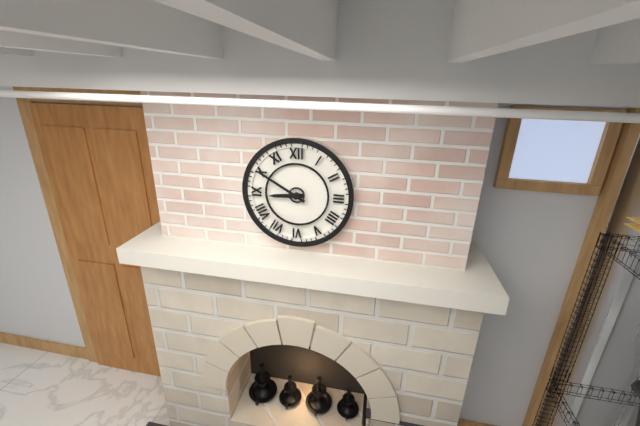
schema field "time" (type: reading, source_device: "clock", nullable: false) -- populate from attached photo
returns 8:50
